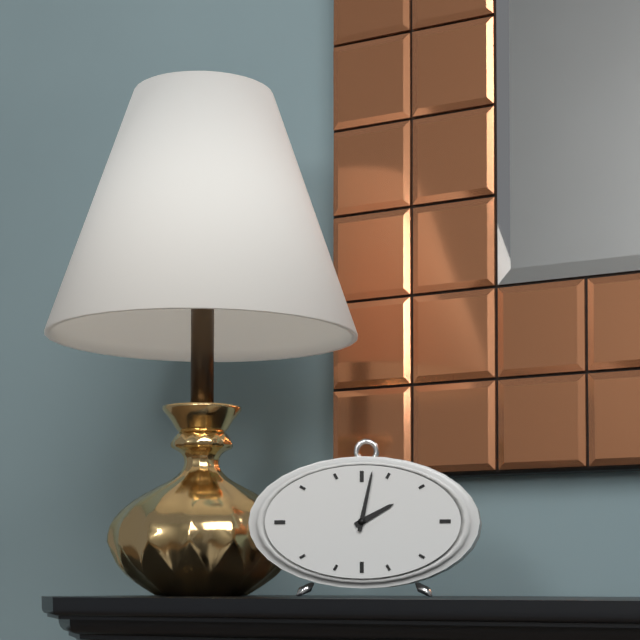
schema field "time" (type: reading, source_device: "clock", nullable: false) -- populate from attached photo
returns 2:02
